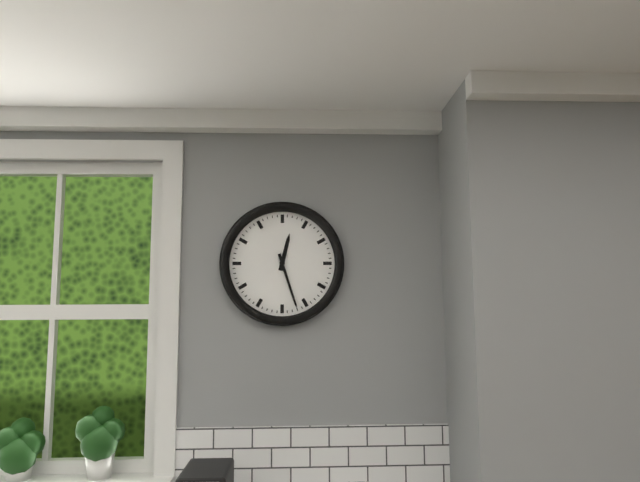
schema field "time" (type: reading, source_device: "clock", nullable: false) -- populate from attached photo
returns 12:27
